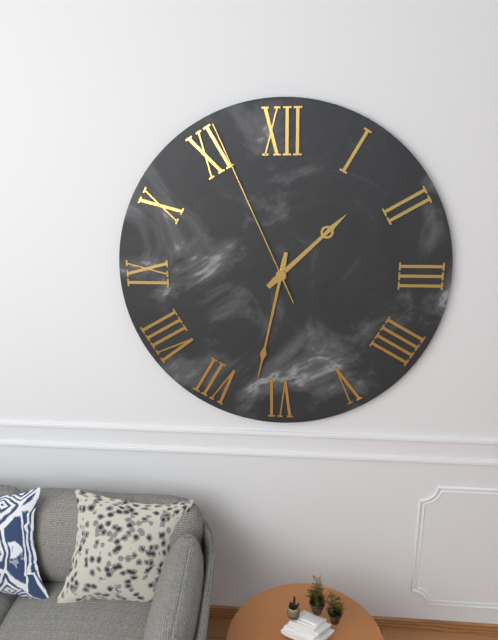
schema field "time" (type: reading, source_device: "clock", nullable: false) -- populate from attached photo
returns 1:32:56
